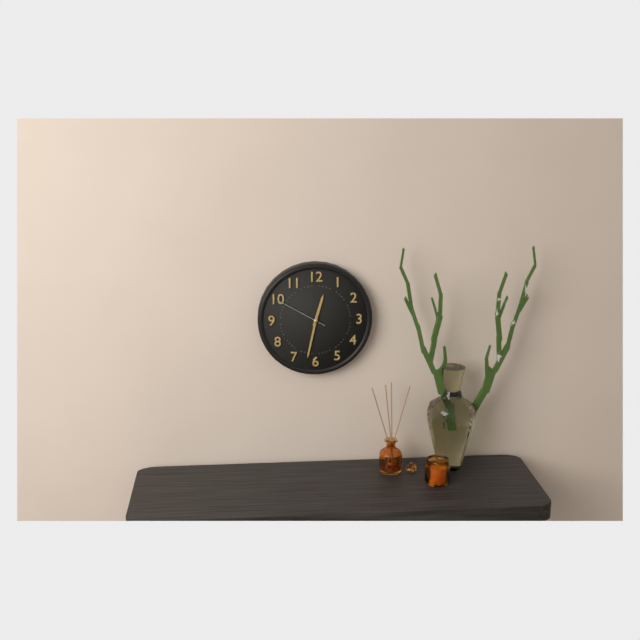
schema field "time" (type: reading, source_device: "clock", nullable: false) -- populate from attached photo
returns 12:32
